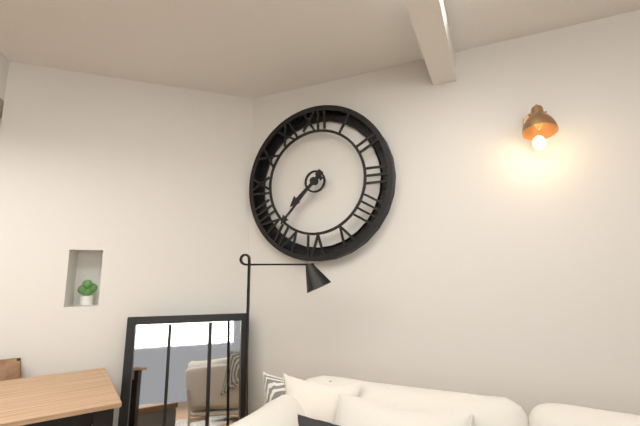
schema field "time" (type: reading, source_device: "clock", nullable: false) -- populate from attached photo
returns 7:37
